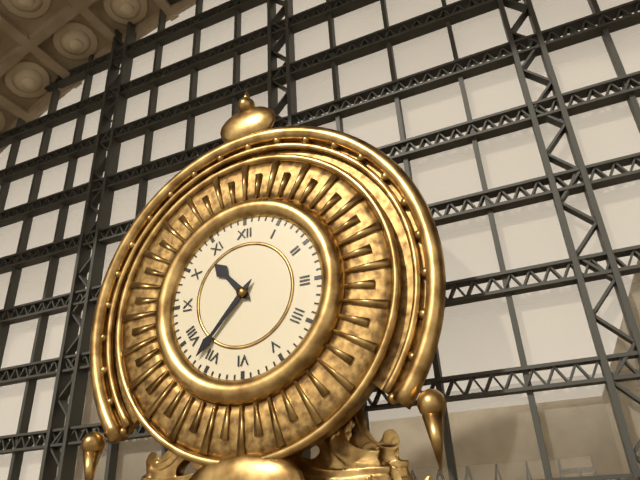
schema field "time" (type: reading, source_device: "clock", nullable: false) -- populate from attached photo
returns 10:37
